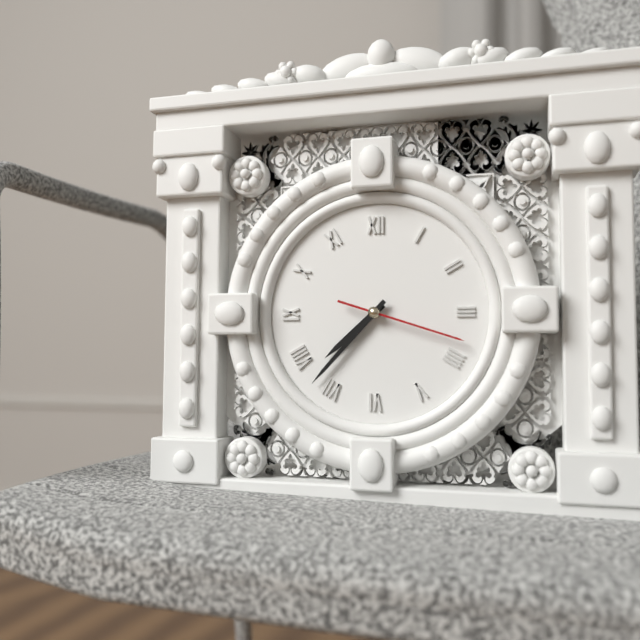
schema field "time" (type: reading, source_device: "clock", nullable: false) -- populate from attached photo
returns 7:37:18
